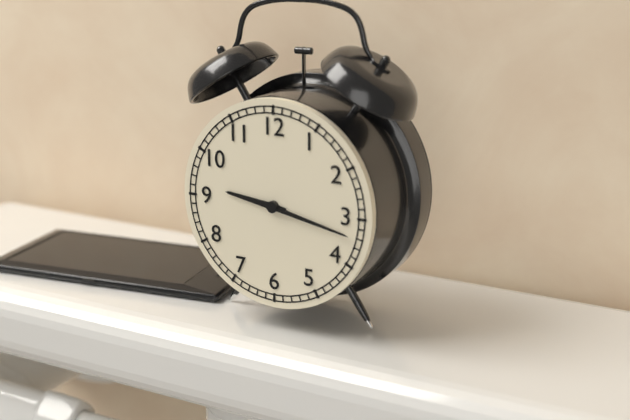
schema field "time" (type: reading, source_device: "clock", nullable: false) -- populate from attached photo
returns 9:17
